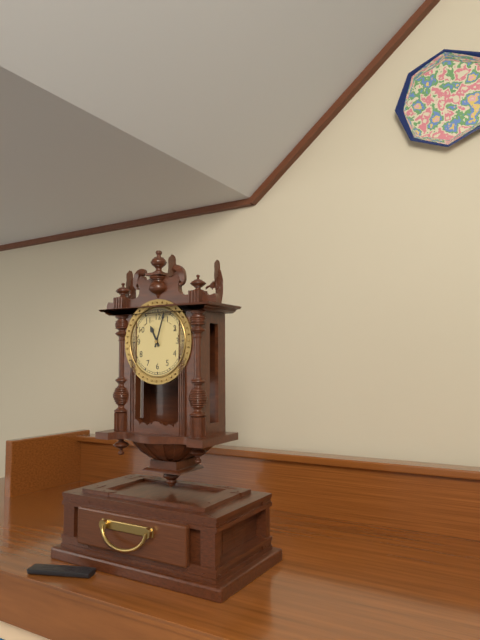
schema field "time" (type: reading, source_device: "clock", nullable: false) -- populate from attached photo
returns 11:03
